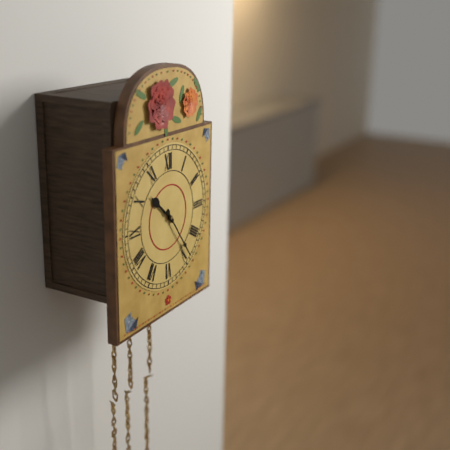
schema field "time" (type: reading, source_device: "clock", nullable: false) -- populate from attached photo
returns 10:24
